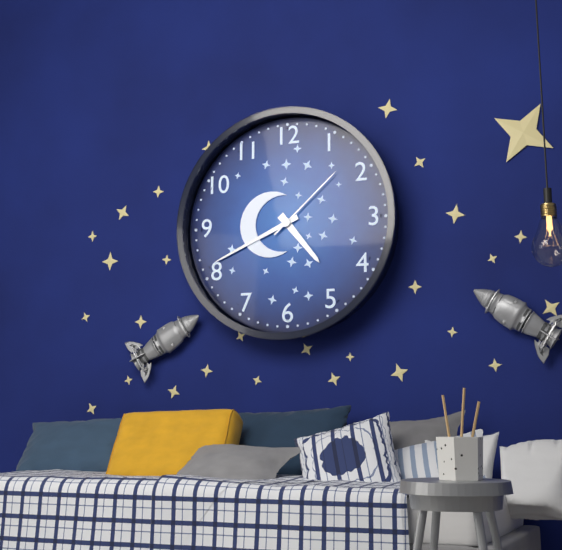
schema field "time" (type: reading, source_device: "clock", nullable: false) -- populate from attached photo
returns 4:41:08
